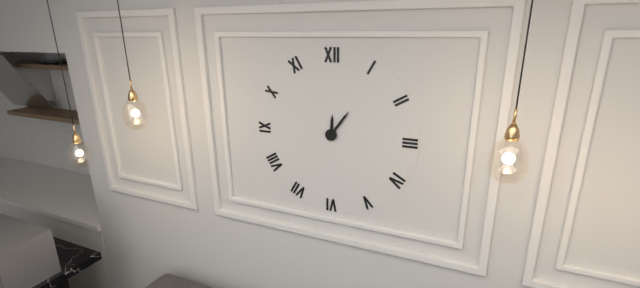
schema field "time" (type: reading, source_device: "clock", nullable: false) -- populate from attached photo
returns 12:06
